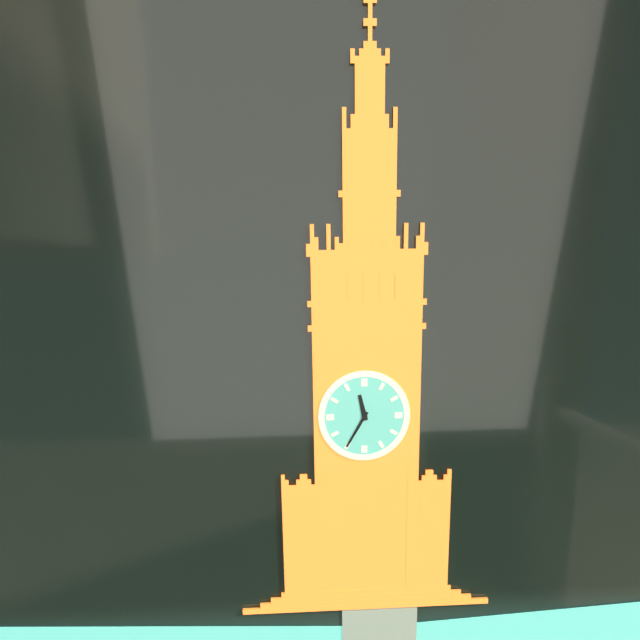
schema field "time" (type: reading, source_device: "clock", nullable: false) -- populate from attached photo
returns 11:35
